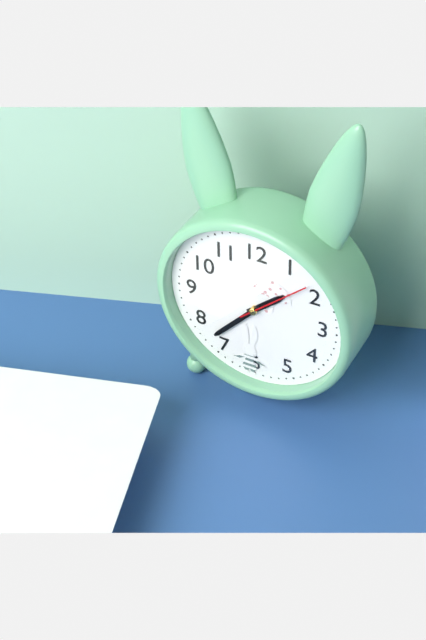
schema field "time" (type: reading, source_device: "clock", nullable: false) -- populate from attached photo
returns 1:37:08
